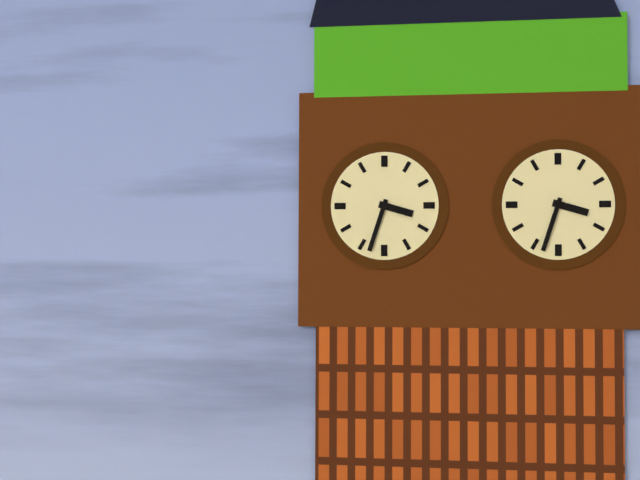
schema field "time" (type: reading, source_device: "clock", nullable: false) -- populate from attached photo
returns 3:33
